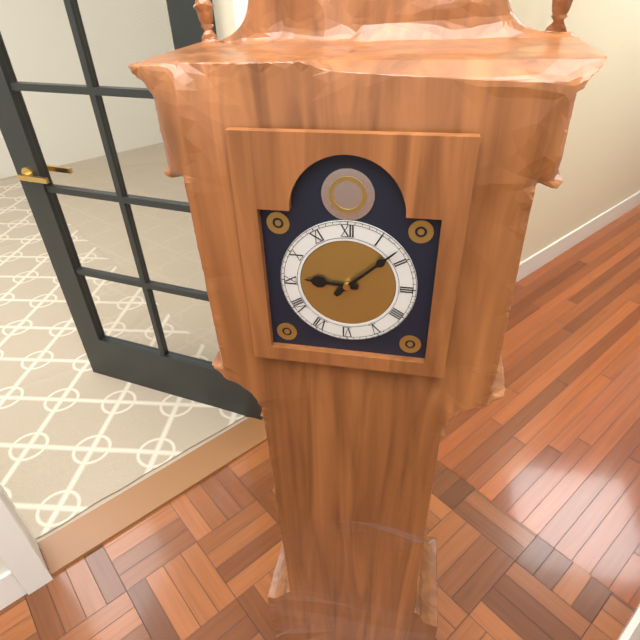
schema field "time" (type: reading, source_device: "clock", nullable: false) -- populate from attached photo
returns 9:08
